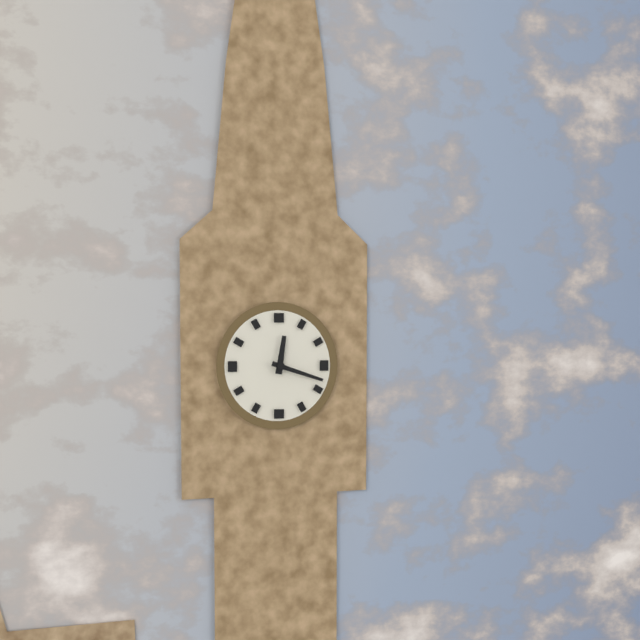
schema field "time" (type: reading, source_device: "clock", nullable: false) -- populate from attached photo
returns 12:18
